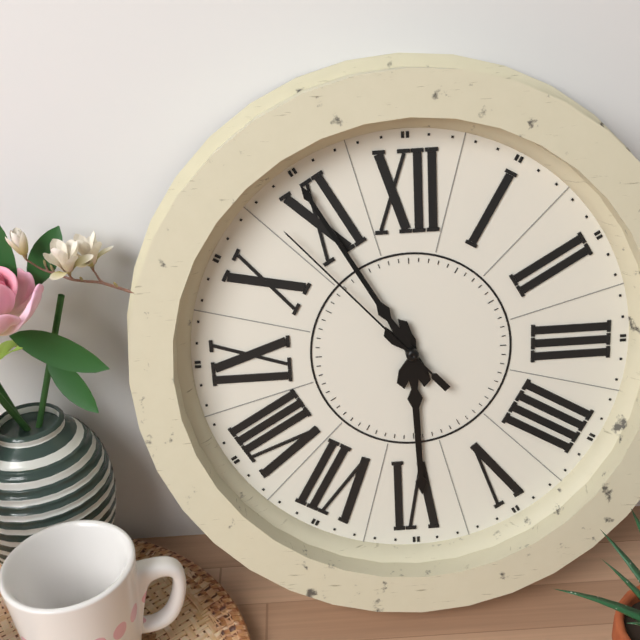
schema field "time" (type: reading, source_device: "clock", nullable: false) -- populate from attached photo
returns 5:55:53
